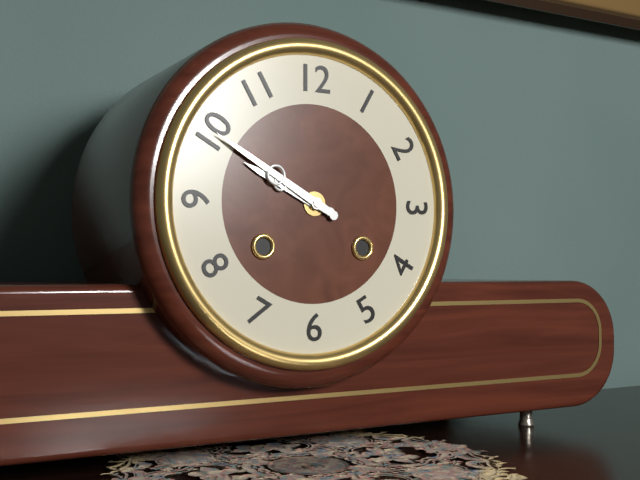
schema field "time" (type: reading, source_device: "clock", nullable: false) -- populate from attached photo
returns 9:50
